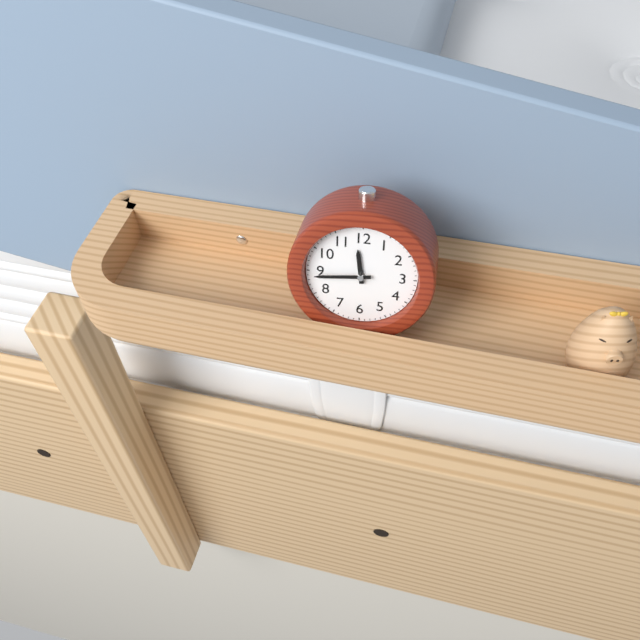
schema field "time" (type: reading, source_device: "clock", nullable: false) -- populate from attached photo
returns 11:44
